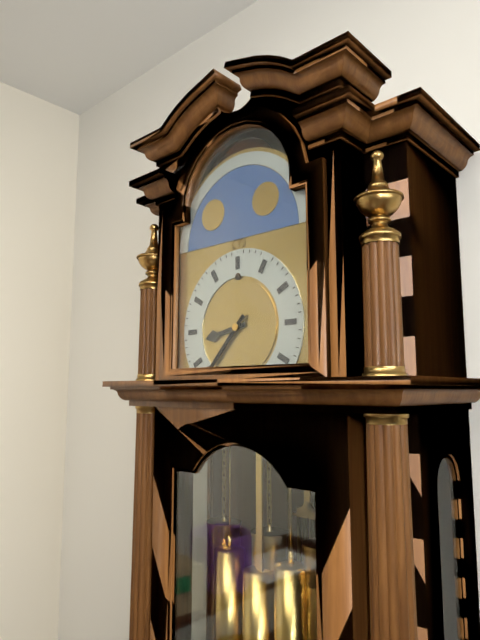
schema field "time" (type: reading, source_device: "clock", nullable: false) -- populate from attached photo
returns 8:37
